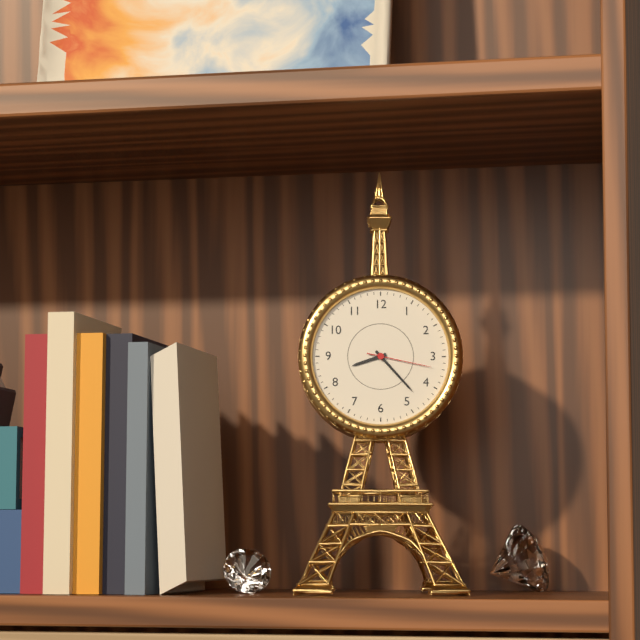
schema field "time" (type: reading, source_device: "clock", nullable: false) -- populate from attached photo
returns 8:23:17
